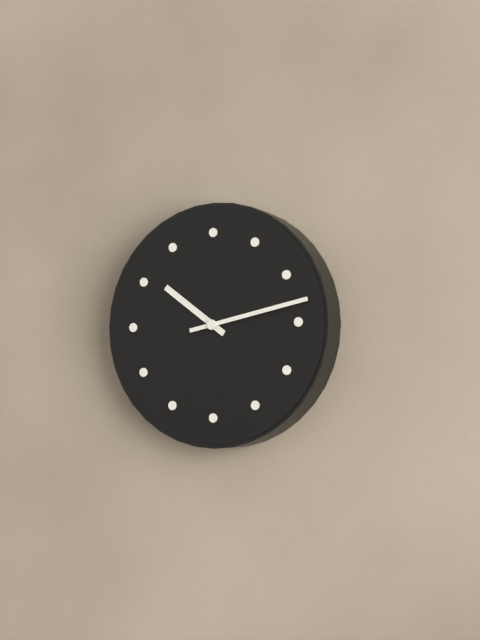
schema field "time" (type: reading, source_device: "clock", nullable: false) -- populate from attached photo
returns 10:13
